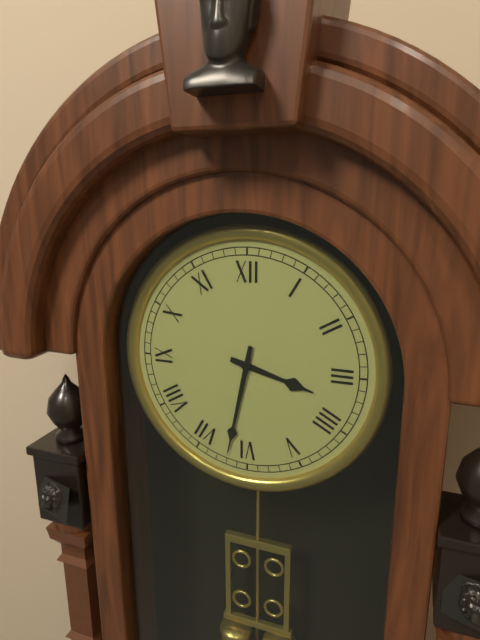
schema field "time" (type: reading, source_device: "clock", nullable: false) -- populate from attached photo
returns 3:32
